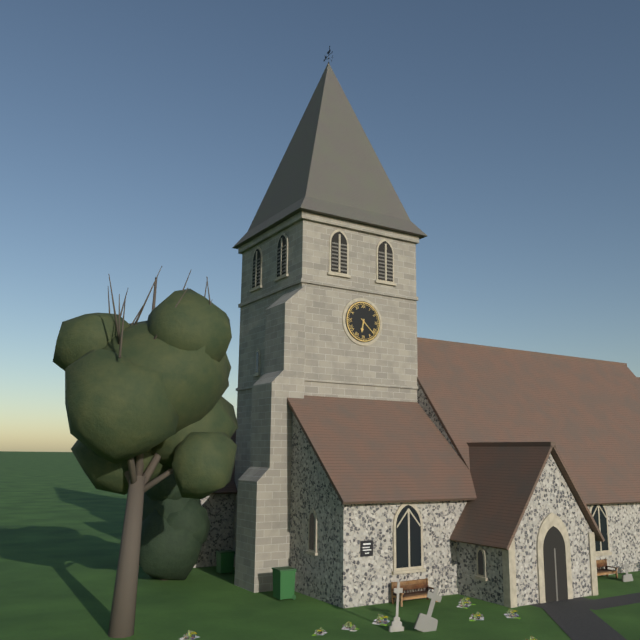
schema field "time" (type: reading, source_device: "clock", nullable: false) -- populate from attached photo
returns 6:22
